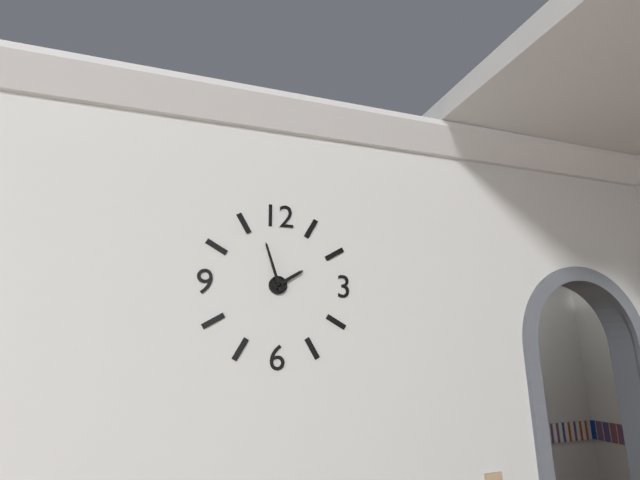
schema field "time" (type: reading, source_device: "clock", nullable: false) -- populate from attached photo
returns 1:57
